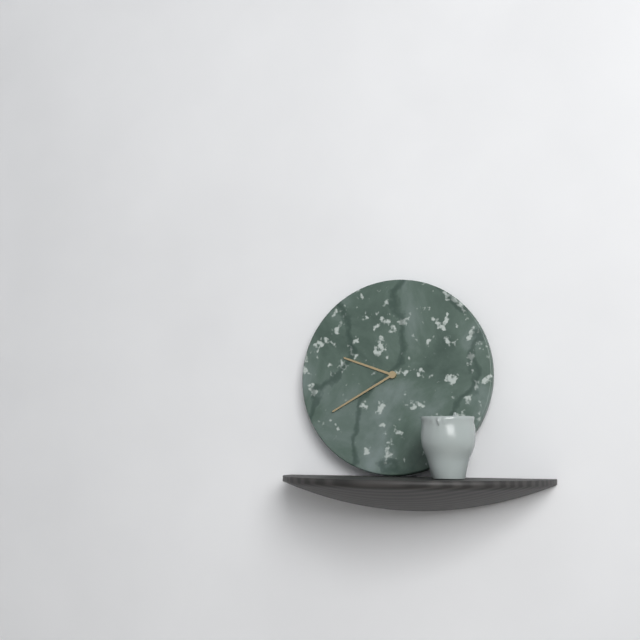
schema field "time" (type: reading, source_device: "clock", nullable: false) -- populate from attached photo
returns 9:40
